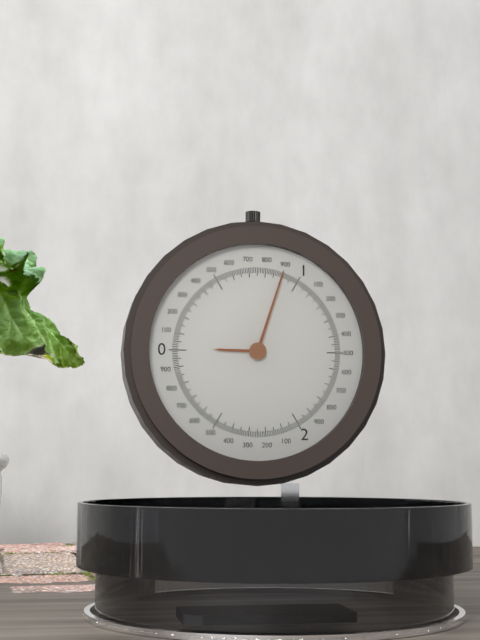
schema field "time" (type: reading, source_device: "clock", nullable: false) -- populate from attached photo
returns 9:03
